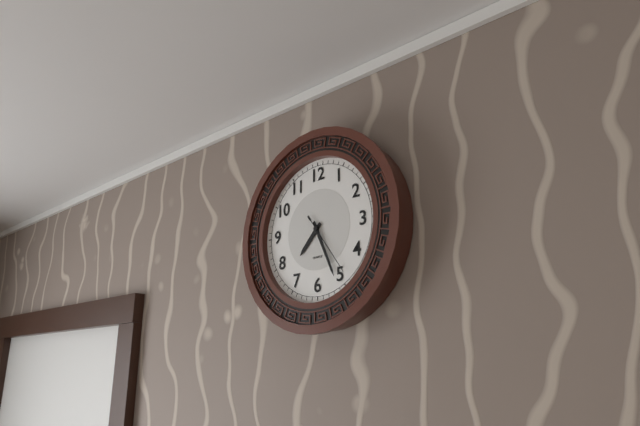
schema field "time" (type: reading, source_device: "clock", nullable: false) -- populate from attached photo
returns 7:26:24
